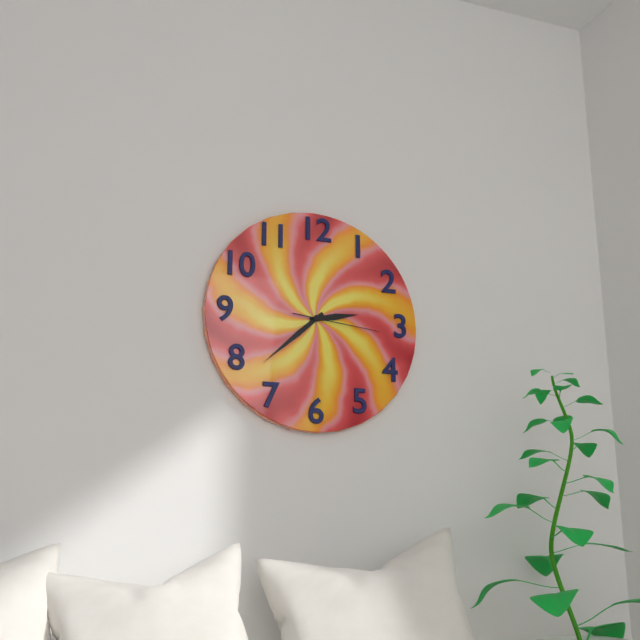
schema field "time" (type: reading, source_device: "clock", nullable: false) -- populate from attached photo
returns 2:38:16
